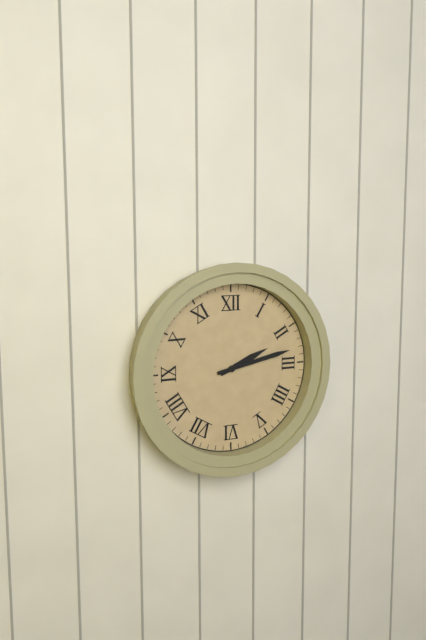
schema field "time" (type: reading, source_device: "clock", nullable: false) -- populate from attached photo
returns 2:13
